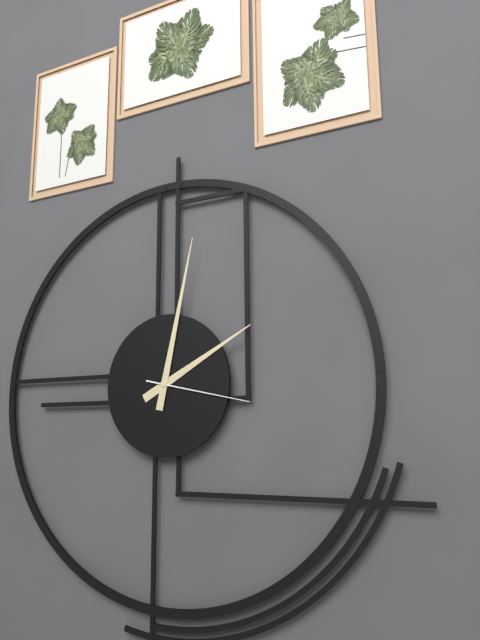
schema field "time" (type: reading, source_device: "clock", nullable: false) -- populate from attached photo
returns 2:02:17
